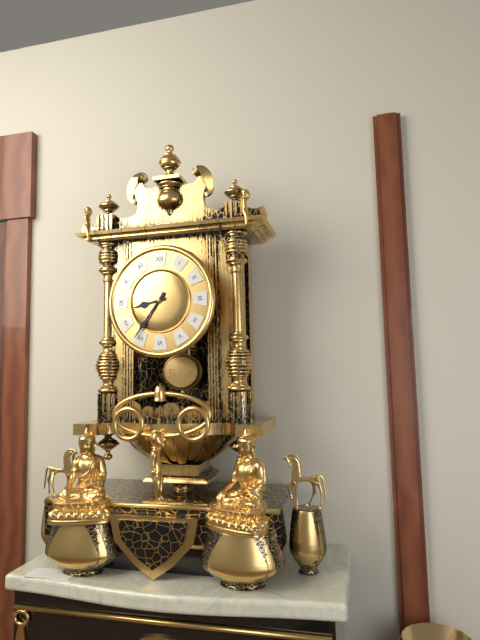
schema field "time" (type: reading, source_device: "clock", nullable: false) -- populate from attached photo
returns 8:36
